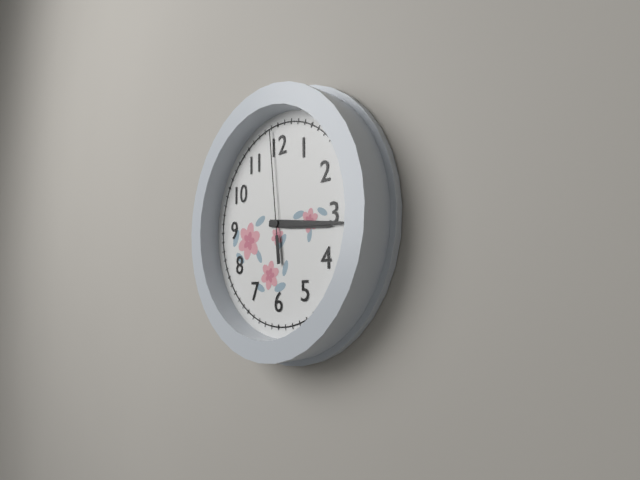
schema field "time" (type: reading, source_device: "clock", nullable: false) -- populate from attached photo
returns 3:16:59
